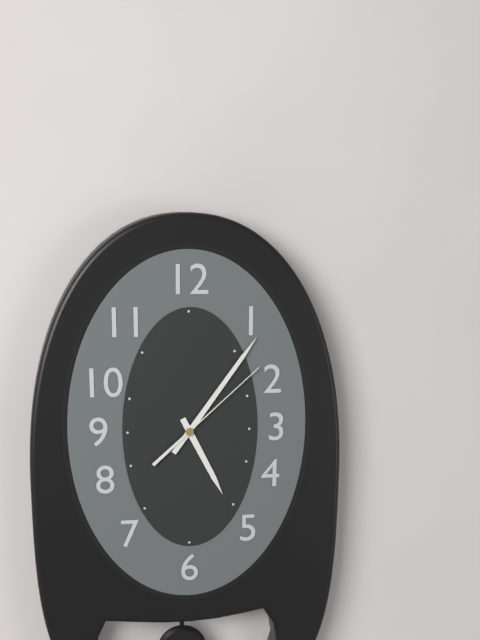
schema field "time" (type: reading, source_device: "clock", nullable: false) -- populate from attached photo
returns 5:06:08
